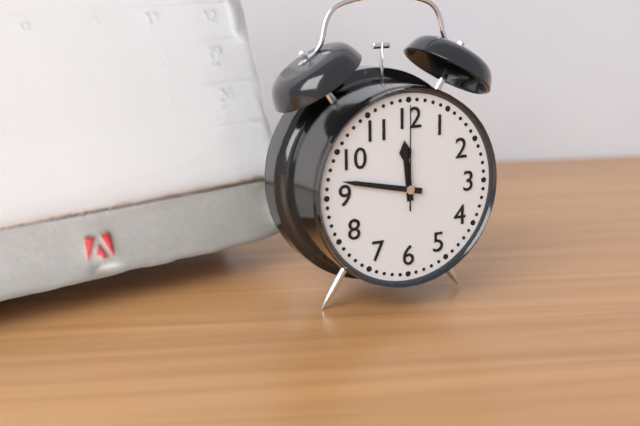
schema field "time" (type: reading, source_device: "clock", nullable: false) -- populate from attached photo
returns 11:47:00
